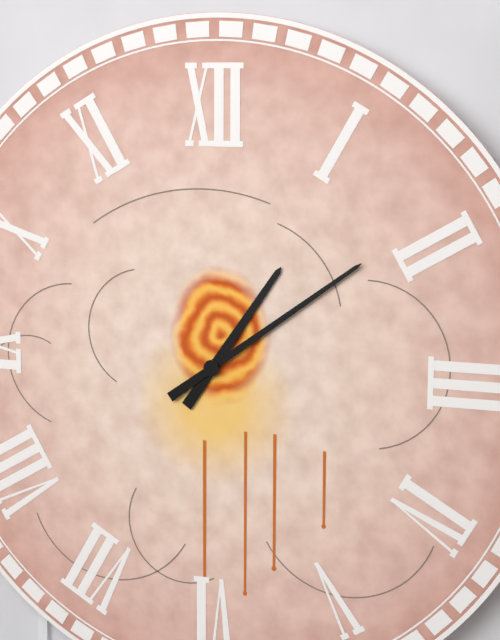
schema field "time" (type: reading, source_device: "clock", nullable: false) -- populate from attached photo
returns 1:09
